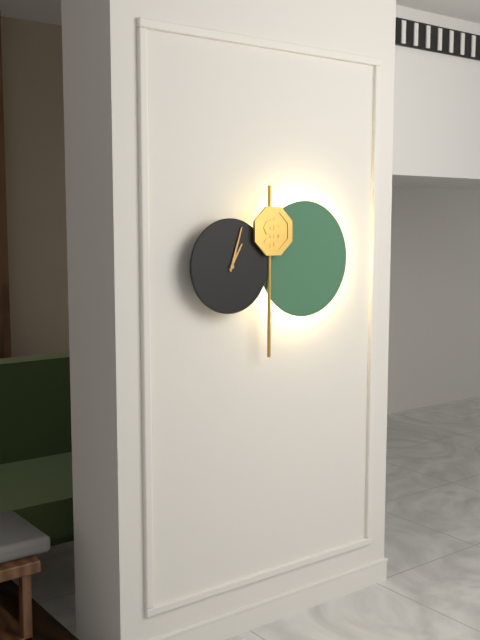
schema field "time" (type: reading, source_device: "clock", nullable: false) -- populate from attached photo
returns 1:03
